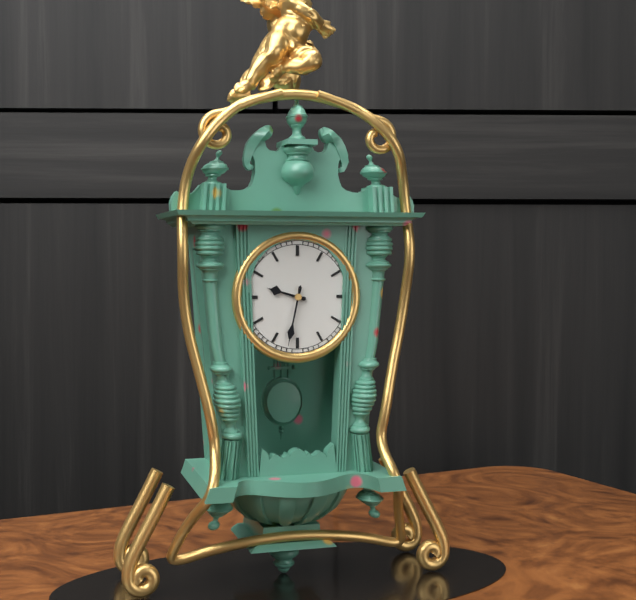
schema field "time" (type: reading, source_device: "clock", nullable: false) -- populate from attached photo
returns 9:32
